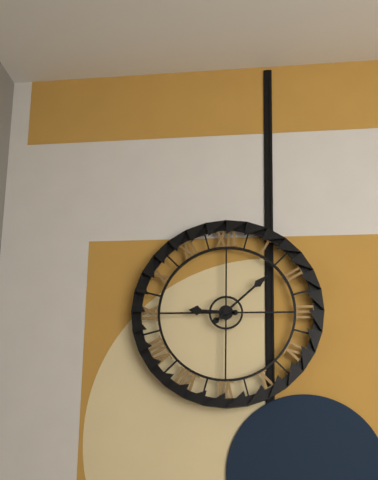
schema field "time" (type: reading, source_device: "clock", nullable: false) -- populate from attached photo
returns 9:08
